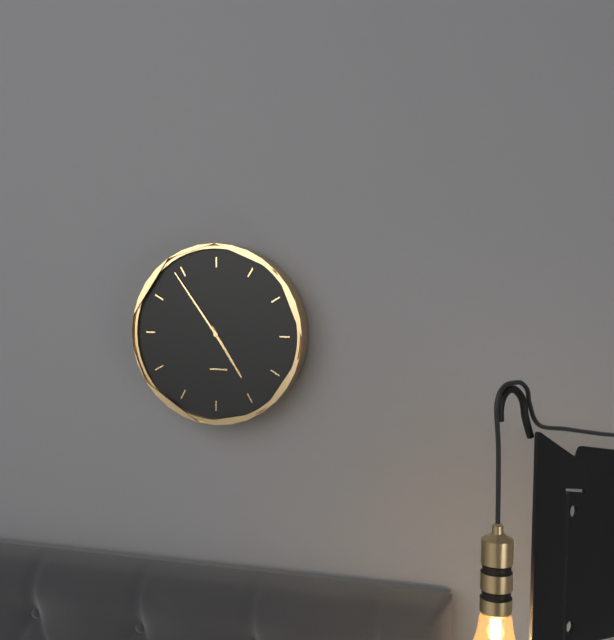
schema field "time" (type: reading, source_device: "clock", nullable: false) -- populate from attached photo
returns 4:54
